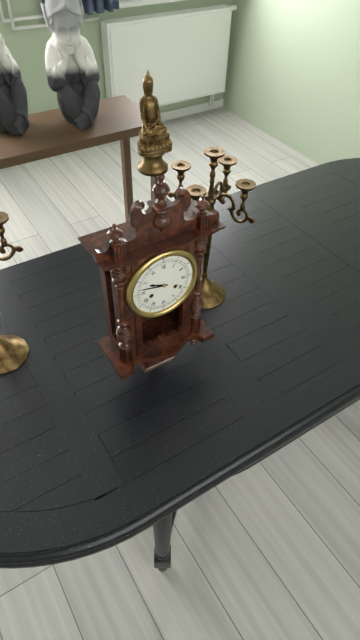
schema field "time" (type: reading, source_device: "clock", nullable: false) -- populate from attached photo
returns 9:47
